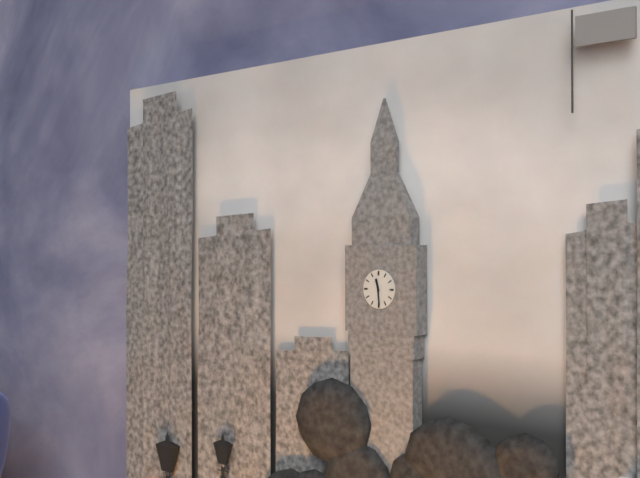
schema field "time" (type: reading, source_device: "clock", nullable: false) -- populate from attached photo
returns 11:29
